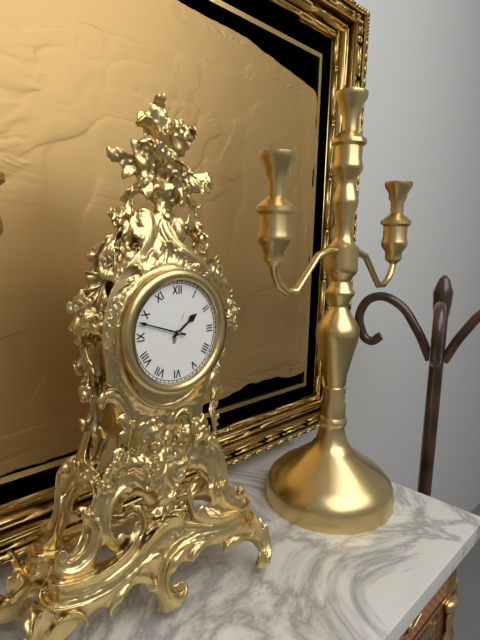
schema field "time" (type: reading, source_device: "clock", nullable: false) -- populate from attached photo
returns 1:48
